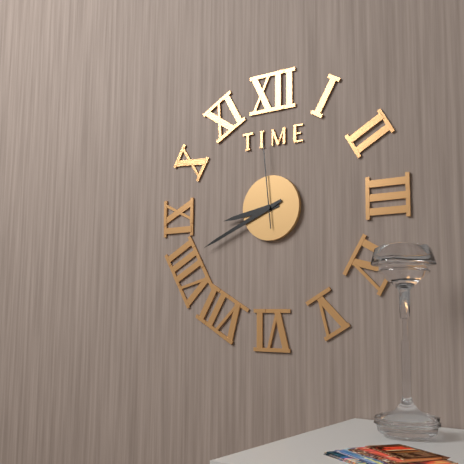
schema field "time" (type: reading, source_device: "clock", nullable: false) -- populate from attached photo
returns 8:41:59
